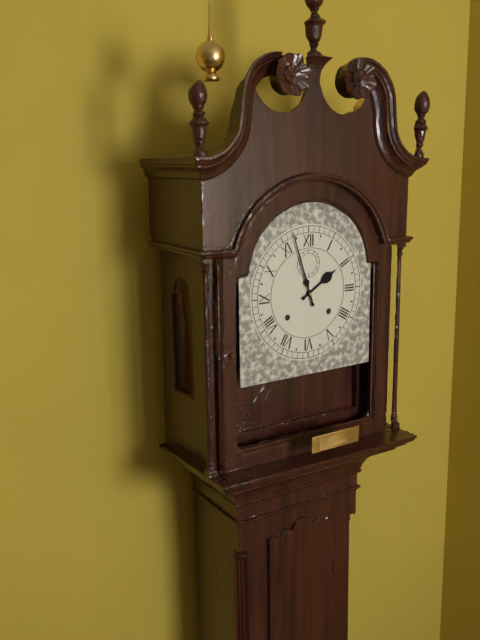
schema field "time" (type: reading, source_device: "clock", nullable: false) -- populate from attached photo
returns 1:57
